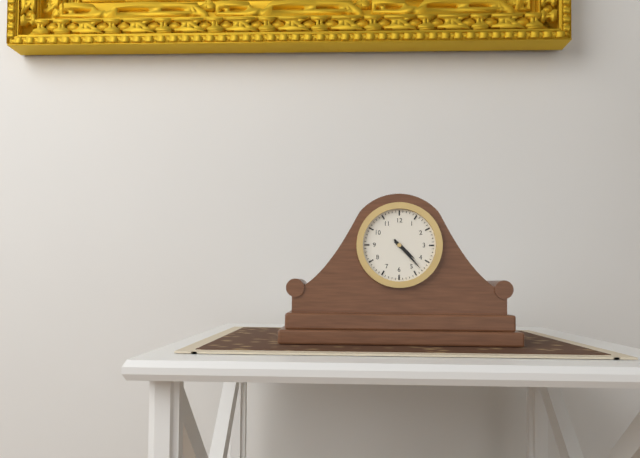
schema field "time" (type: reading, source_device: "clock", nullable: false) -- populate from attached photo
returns 4:23
